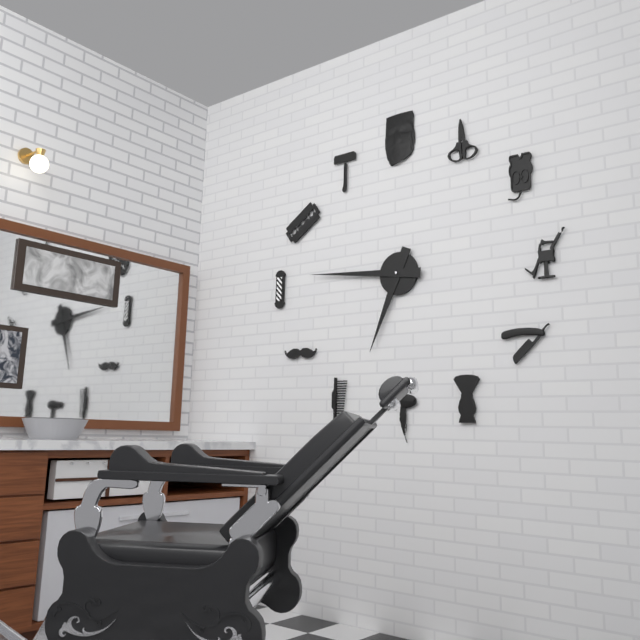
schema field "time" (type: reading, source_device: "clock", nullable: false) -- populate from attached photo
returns 6:46
